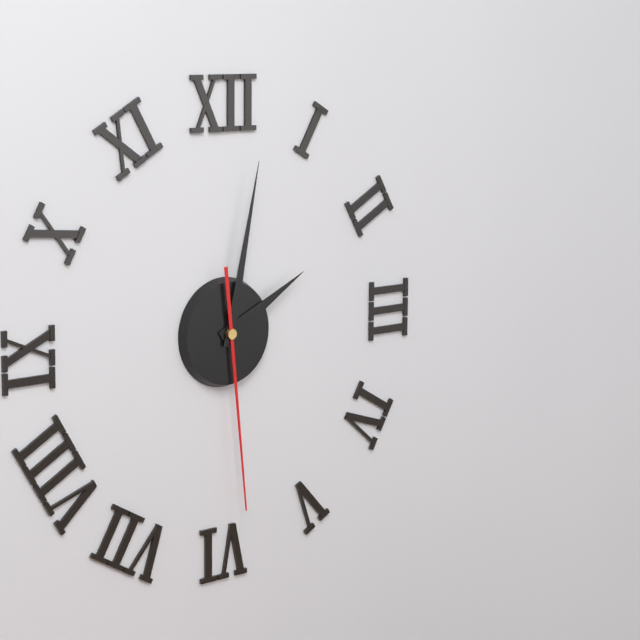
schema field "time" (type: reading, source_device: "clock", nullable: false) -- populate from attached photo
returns 2:02:29
